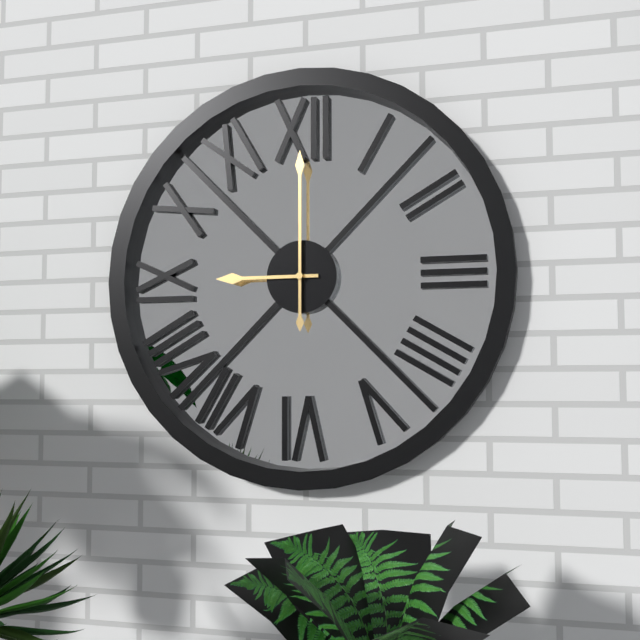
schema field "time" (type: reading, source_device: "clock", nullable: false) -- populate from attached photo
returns 9:00
